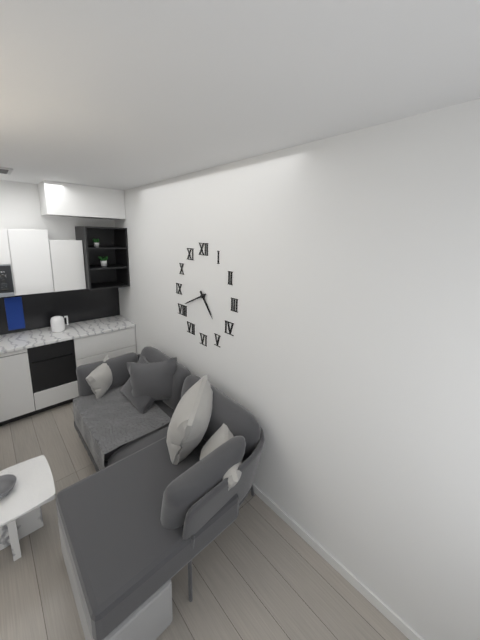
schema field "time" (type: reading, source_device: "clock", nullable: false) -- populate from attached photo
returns 4:41
